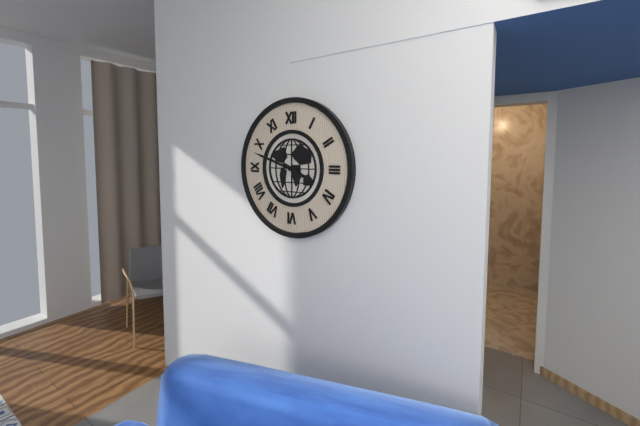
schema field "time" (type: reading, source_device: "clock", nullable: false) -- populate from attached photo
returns 3:48
